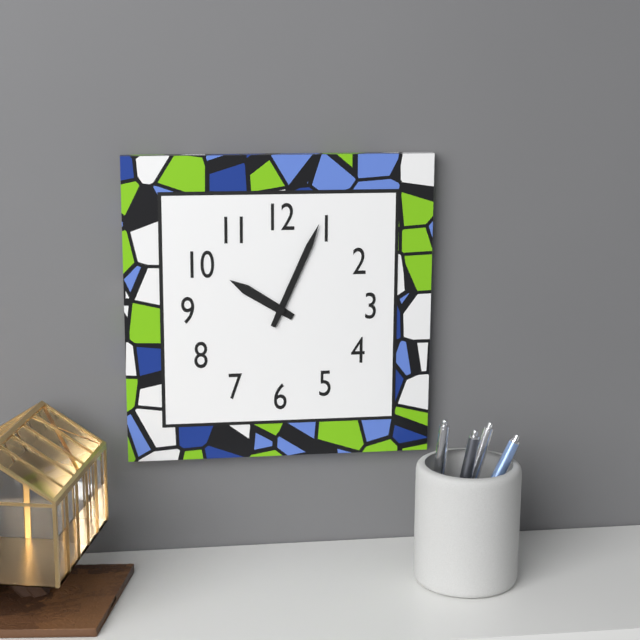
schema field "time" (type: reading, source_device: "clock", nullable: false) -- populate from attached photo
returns 10:04
